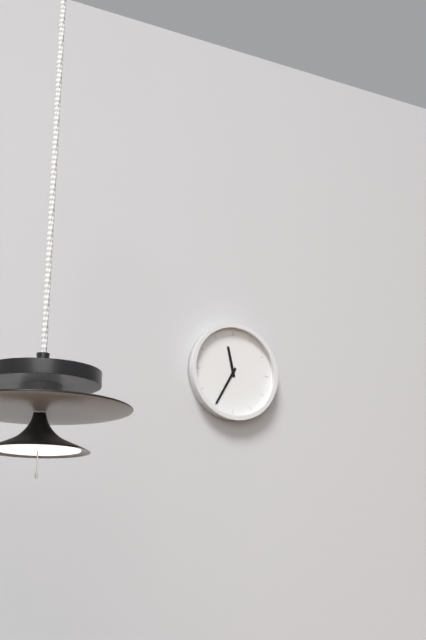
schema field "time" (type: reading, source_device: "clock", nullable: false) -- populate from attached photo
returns 11:35
